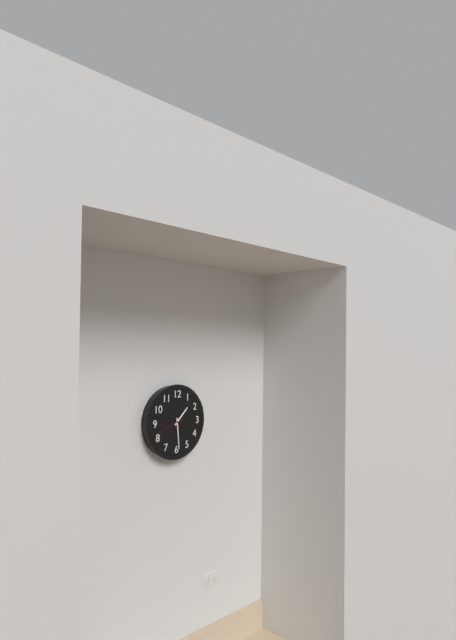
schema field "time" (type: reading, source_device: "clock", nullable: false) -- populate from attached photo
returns 1:29
